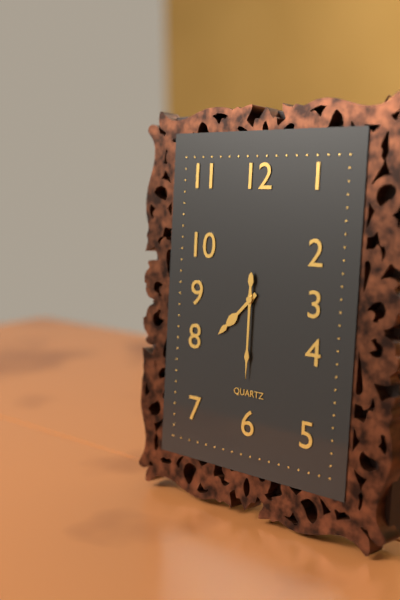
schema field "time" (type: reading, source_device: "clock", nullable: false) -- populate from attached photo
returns 7:30
